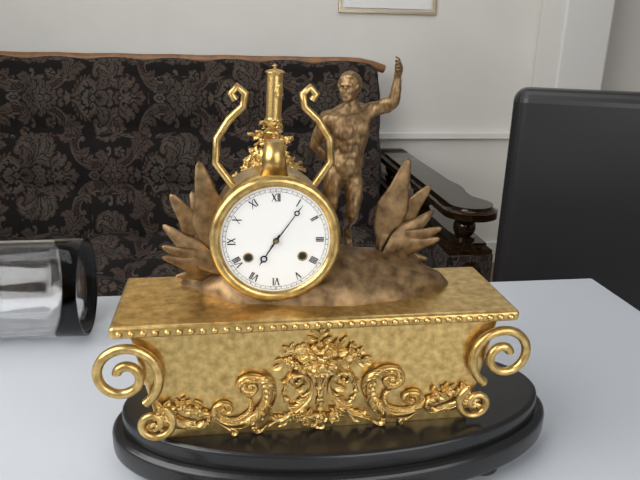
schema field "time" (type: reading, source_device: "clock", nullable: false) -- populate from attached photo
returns 7:06
